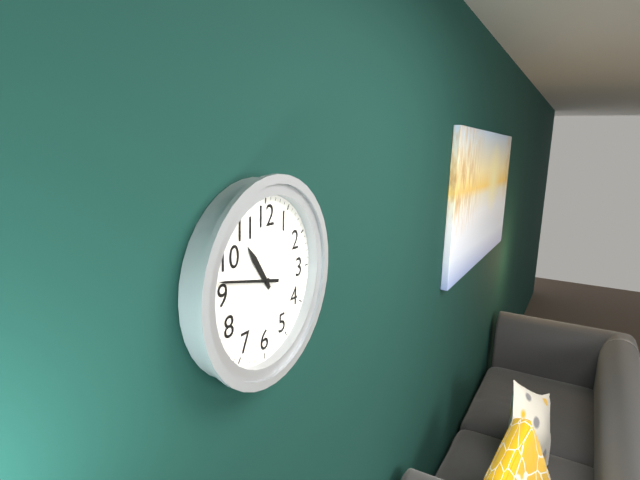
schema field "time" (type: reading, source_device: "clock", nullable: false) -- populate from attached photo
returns 10:47
